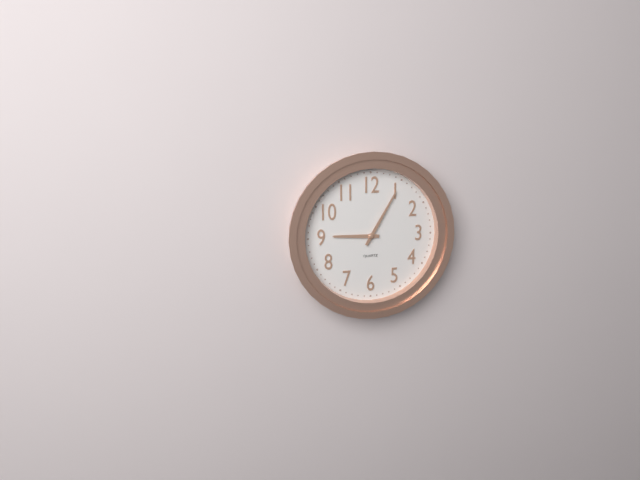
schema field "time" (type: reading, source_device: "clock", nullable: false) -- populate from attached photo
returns 9:05
